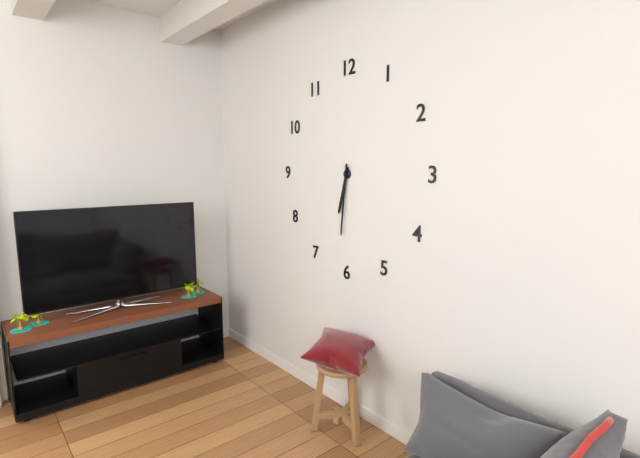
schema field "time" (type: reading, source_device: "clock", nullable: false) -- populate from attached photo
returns 6:31
